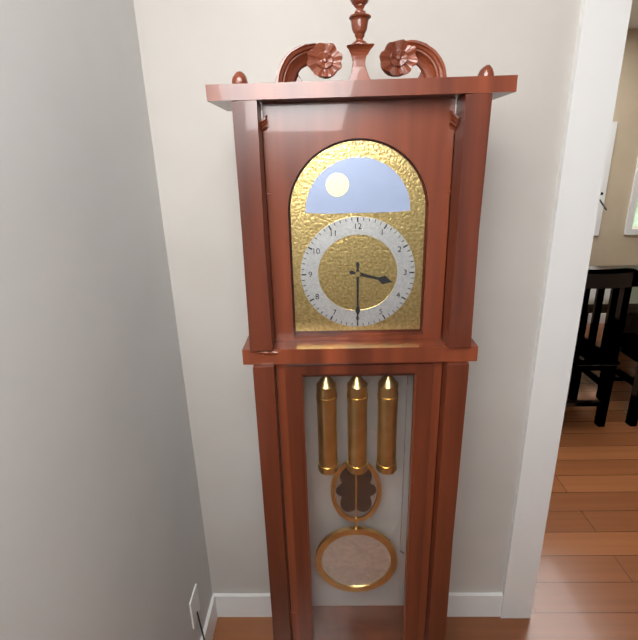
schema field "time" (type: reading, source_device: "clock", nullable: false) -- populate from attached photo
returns 3:30
